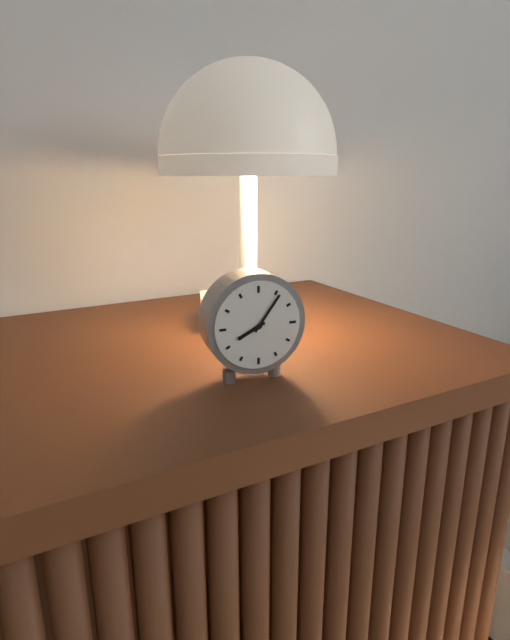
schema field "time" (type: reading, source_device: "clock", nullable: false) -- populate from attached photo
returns 8:06
